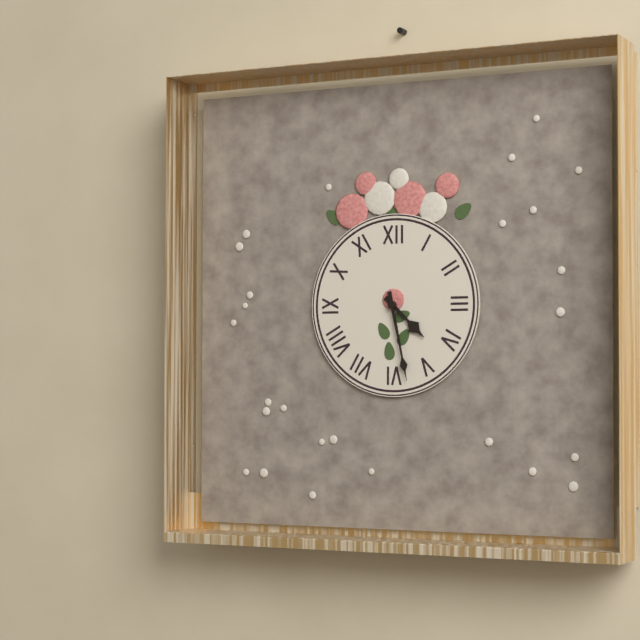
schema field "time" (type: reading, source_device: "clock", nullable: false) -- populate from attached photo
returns 4:28
